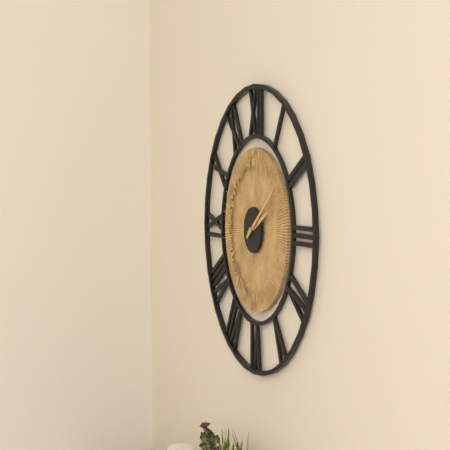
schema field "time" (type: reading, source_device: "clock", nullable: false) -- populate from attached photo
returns 2:09
